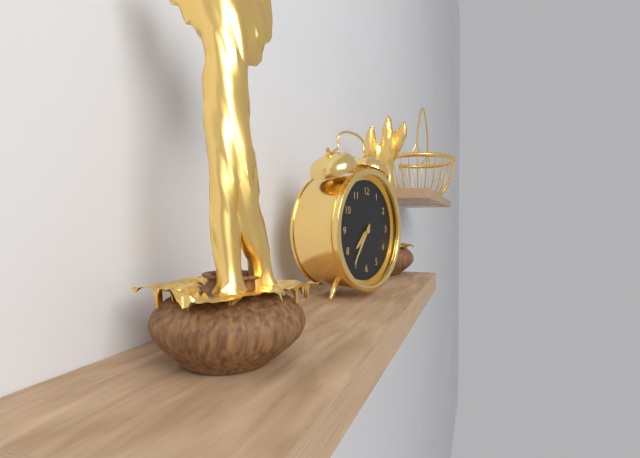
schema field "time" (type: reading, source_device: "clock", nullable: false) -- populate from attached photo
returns 7:36
